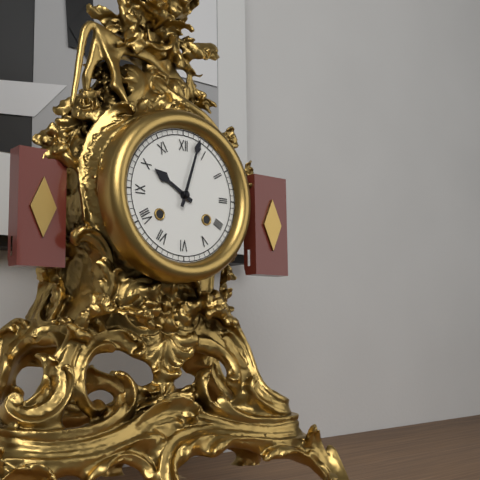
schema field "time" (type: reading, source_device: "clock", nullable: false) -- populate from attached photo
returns 10:03
